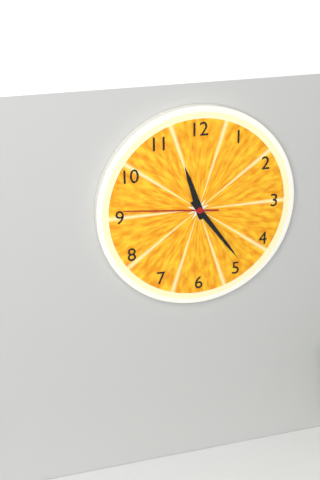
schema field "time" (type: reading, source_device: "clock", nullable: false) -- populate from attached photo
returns 11:24:46
